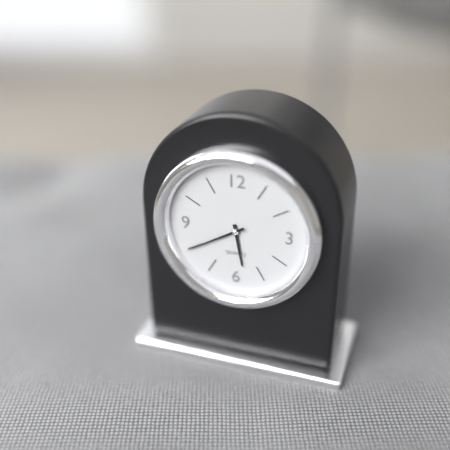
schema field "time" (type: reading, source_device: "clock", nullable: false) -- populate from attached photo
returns 5:40
